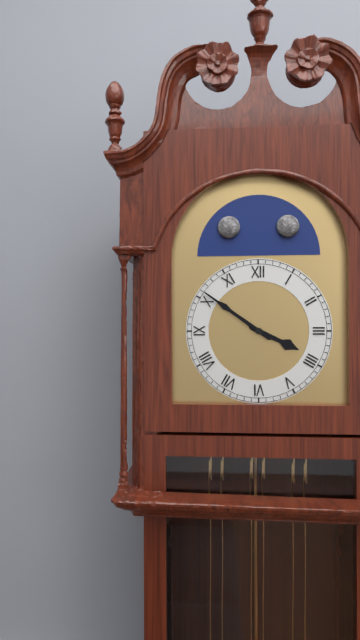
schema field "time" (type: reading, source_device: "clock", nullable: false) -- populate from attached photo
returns 3:51
